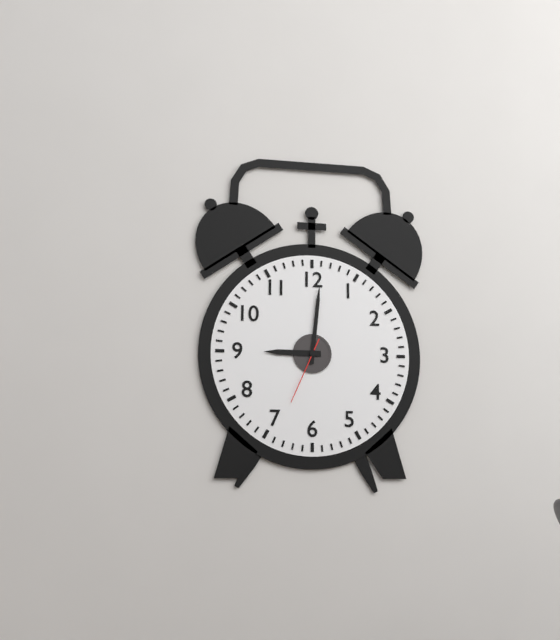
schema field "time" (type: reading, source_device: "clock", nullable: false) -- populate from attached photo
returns 9:01:34
